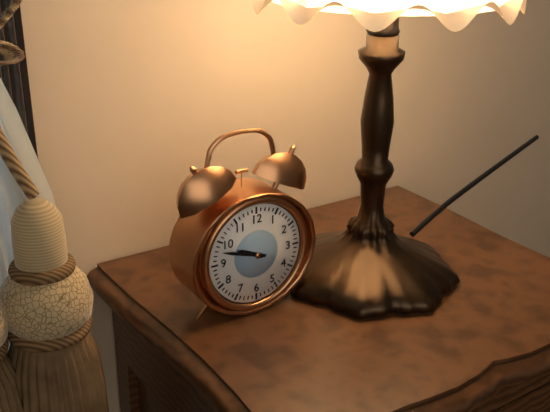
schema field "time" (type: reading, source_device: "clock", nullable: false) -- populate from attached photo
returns 9:48
